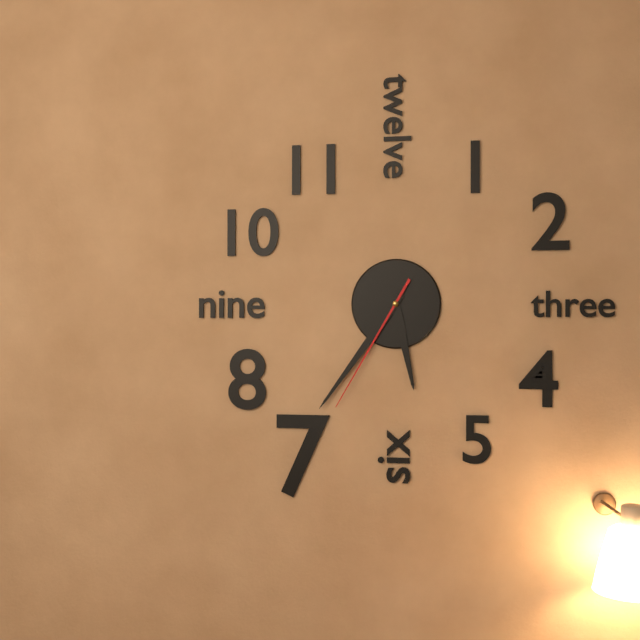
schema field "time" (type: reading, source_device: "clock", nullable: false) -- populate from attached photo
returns 5:36:35
